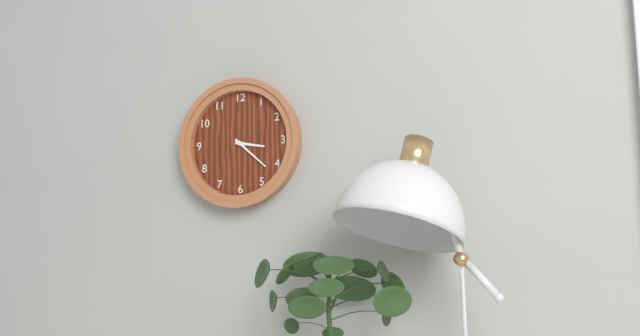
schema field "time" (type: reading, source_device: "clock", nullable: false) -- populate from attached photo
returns 3:22
